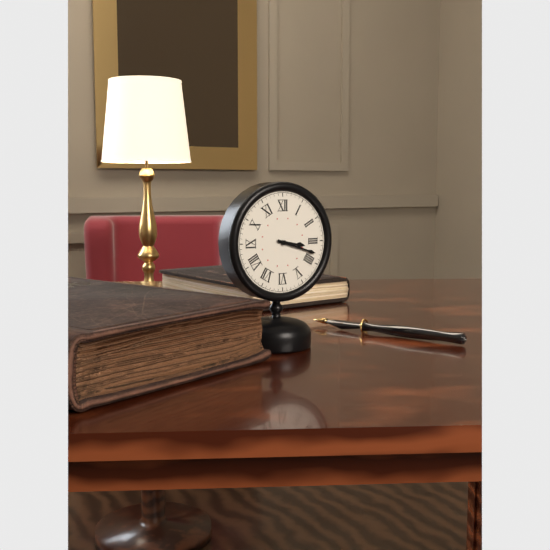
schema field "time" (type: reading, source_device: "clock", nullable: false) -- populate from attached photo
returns 3:18
